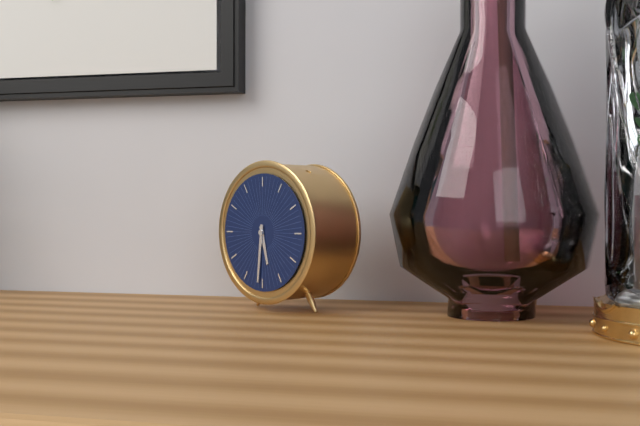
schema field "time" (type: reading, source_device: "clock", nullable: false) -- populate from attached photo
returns 5:31
